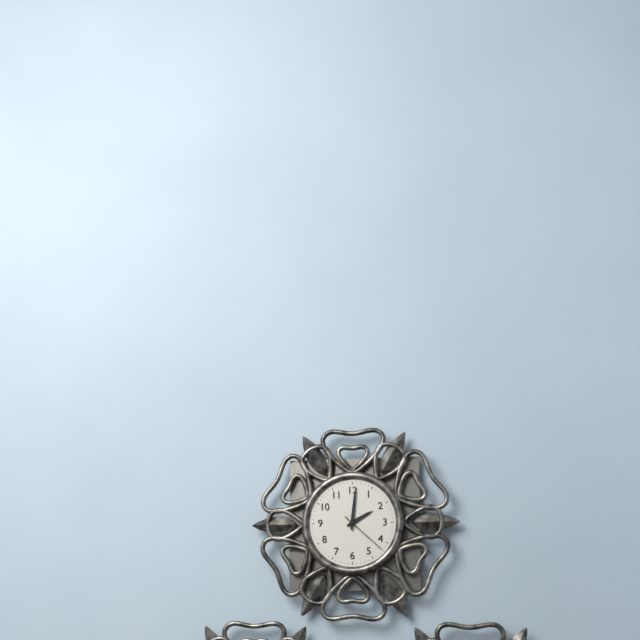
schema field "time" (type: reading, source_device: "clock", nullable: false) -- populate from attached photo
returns 2:01
